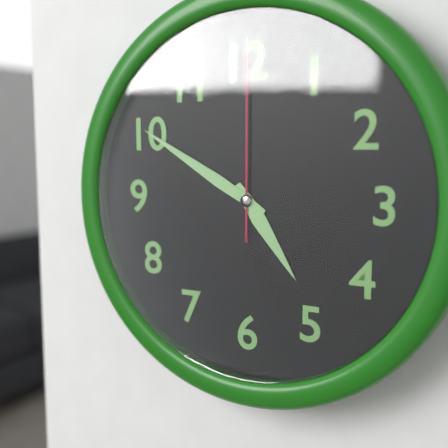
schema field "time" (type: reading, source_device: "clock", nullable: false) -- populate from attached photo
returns 4:50:00
